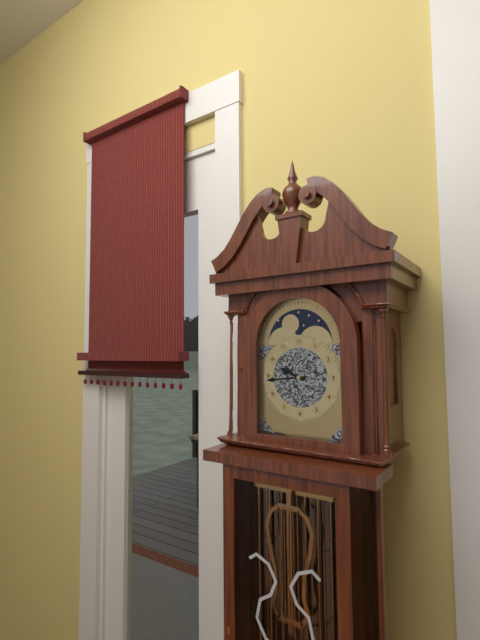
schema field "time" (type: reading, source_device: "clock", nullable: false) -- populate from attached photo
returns 9:44
